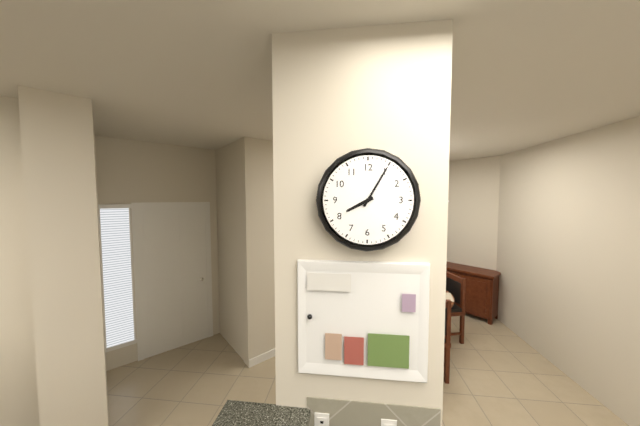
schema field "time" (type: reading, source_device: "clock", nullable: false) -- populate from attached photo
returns 8:05
